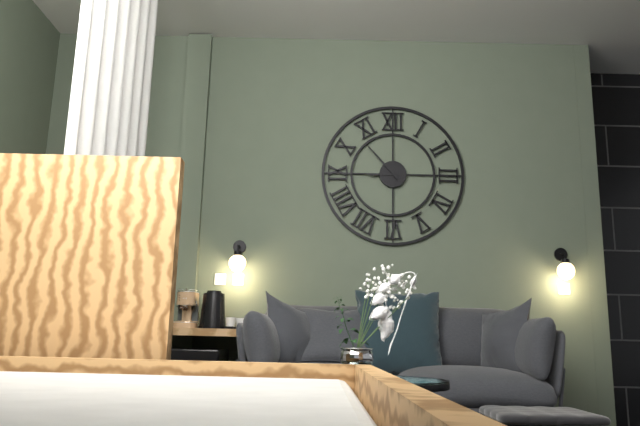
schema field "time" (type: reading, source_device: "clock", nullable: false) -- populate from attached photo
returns 8:53
